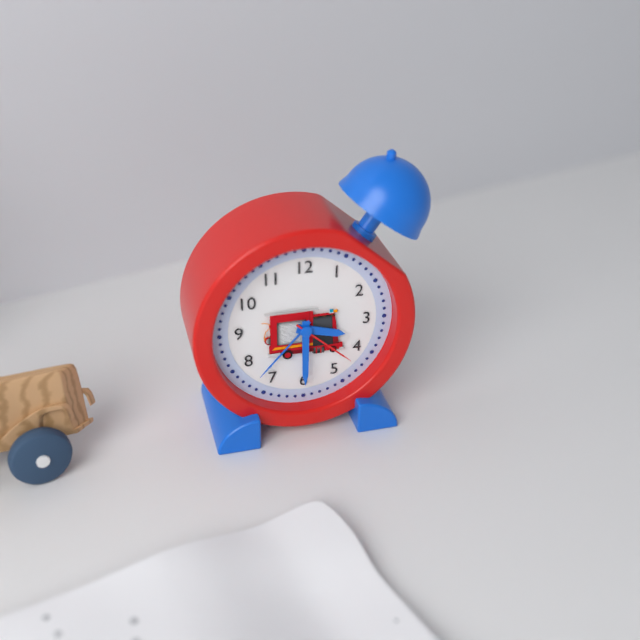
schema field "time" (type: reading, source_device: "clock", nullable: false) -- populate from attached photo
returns 3:30:22
